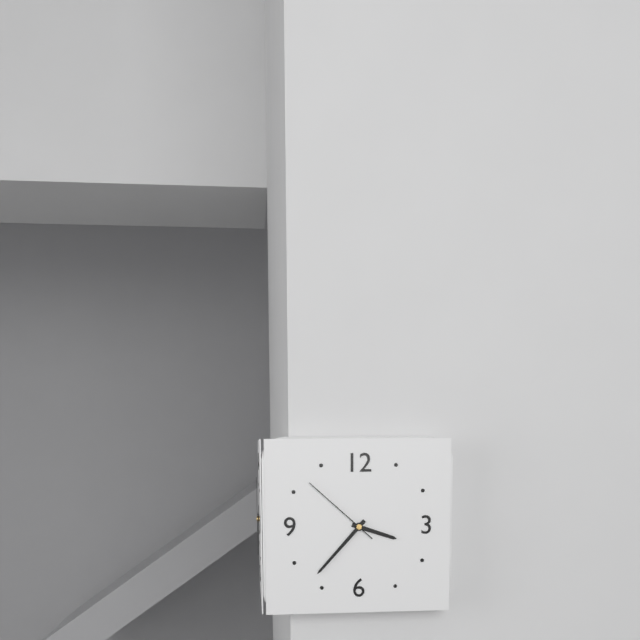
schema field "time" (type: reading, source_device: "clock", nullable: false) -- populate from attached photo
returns 3:37:52
